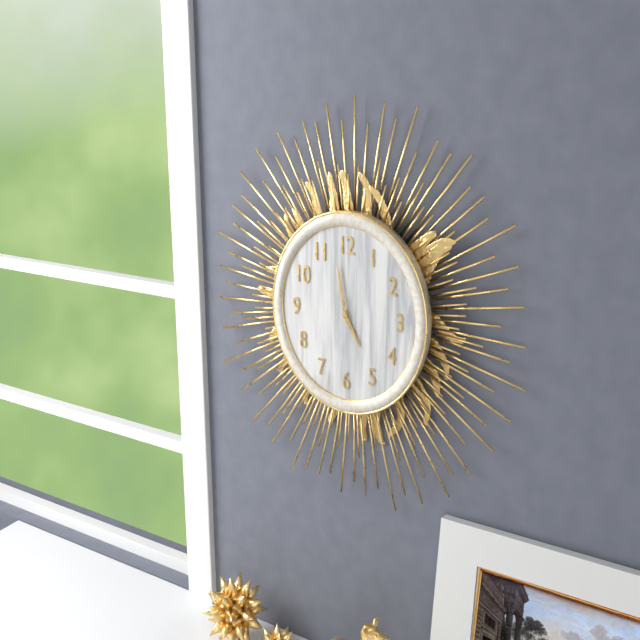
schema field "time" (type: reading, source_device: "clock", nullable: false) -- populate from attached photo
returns 4:58
